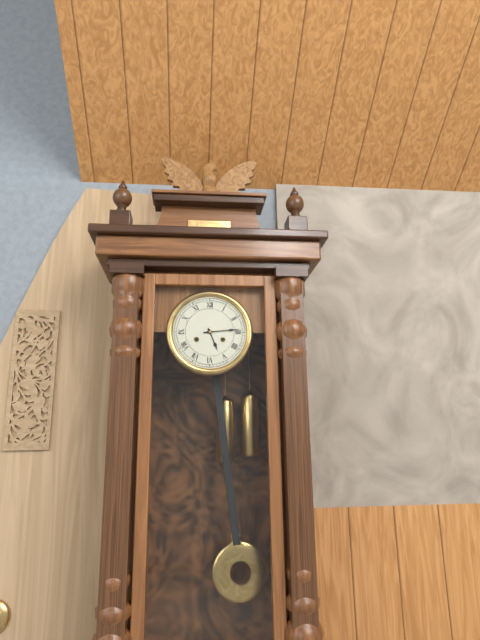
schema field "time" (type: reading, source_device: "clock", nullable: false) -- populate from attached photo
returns 5:14
